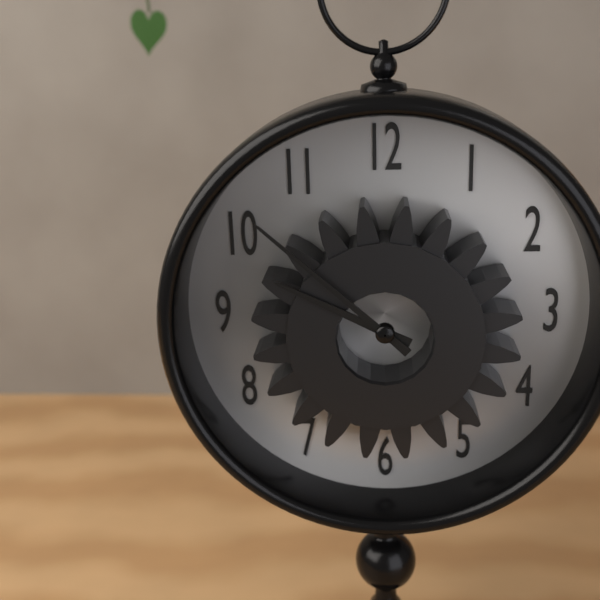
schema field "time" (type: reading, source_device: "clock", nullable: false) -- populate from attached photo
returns 9:52
